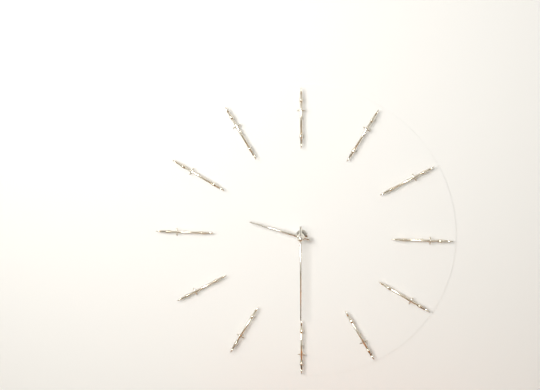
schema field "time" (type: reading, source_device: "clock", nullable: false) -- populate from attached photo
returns 9:30
